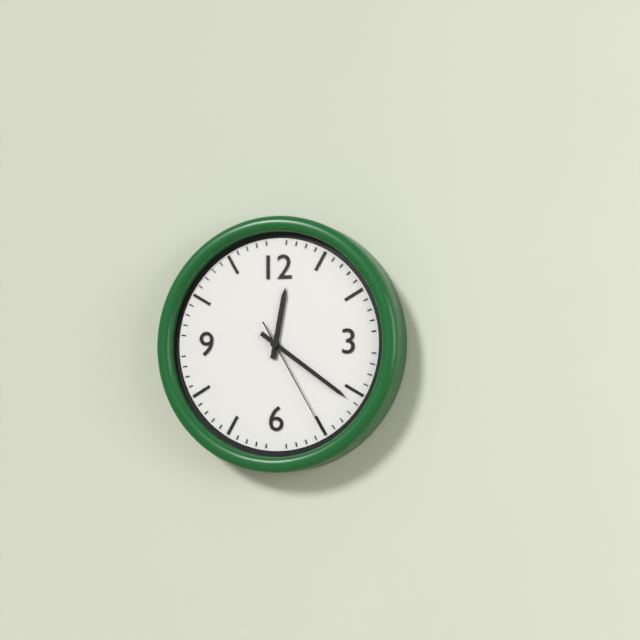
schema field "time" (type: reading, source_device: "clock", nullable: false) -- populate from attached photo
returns 12:21:25
